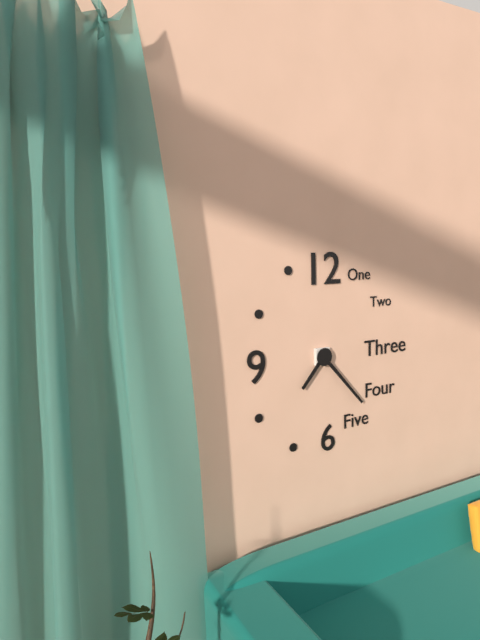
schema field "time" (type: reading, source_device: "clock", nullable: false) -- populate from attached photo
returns 7:23
